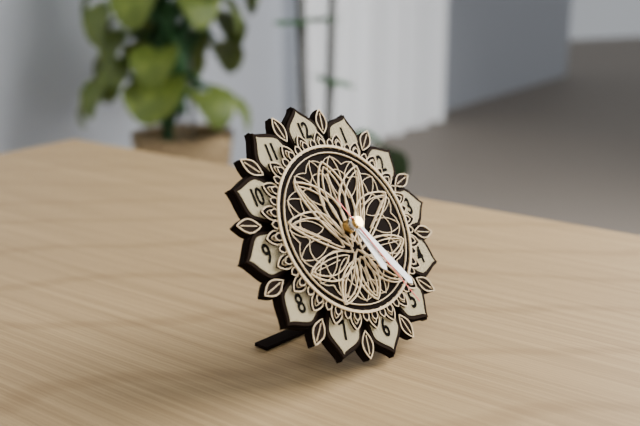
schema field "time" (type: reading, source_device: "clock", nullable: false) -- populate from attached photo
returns 5:25:26
